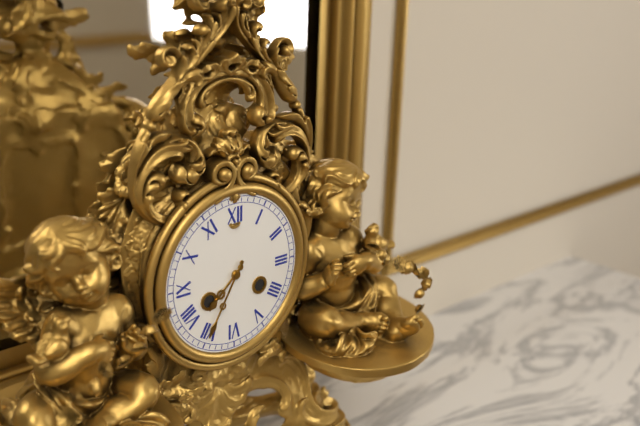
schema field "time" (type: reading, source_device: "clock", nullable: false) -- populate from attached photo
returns 7:35
